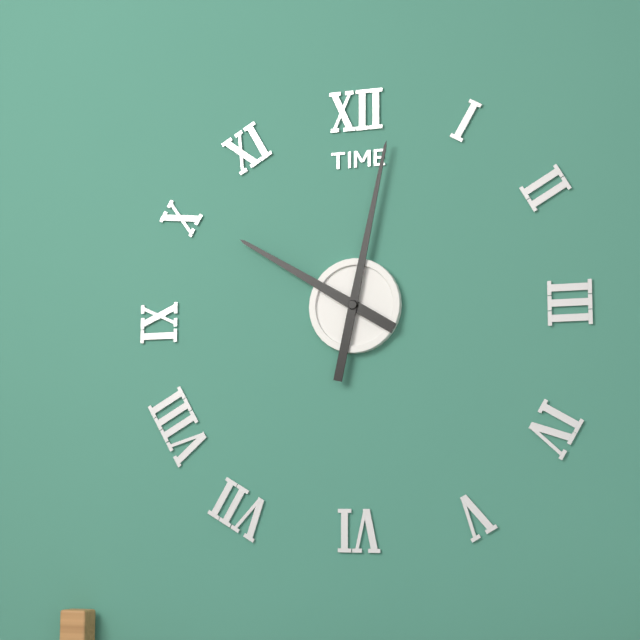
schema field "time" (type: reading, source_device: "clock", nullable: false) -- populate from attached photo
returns 10:02
